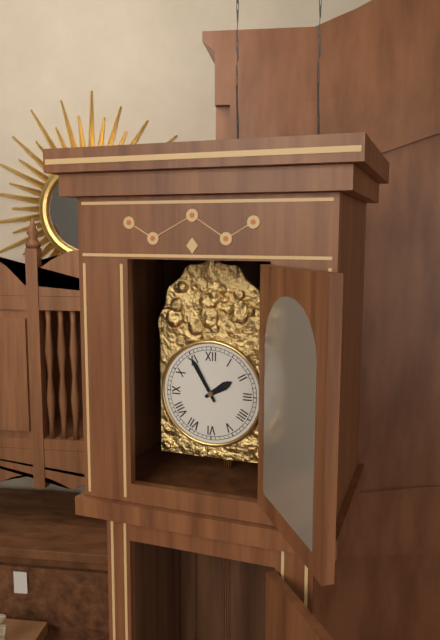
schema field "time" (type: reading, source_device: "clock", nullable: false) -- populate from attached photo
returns 1:55
